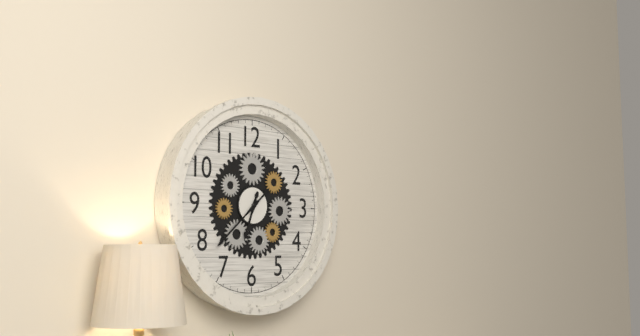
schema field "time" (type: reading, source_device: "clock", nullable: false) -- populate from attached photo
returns 6:38
